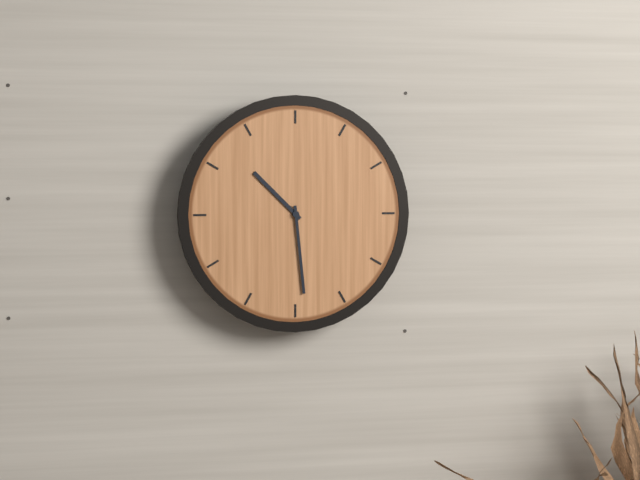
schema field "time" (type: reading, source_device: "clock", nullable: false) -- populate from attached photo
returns 10:29
